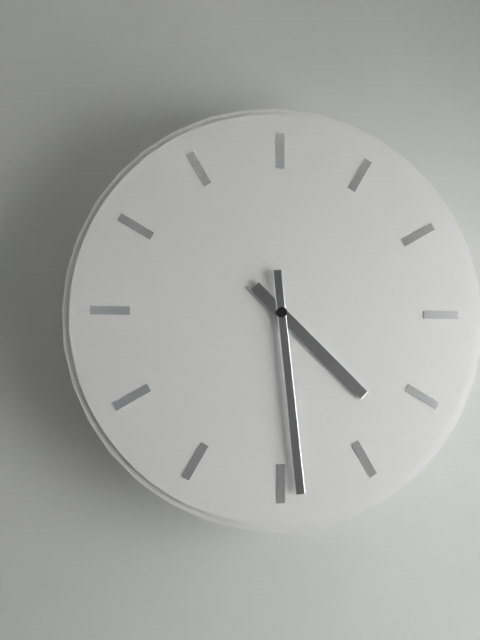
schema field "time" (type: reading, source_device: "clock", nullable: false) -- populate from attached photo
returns 4:29
